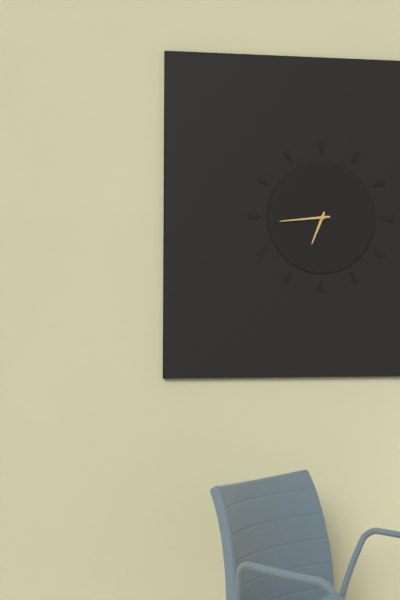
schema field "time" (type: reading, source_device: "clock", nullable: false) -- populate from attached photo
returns 6:44
